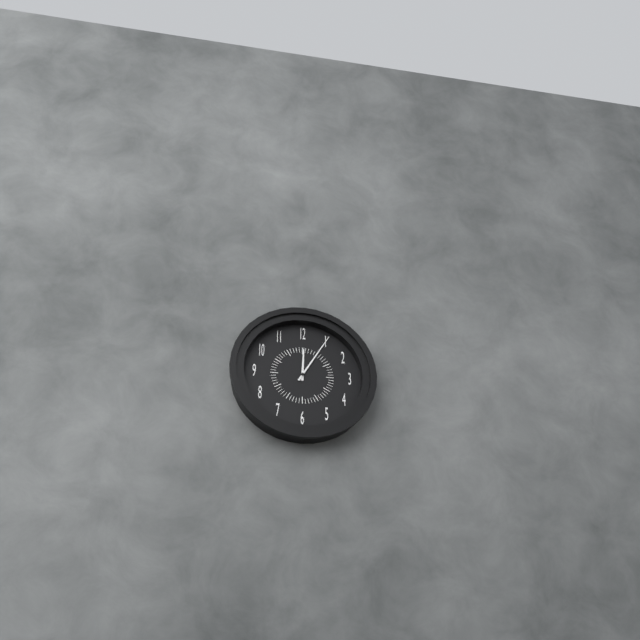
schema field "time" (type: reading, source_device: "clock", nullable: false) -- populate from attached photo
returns 12:05
